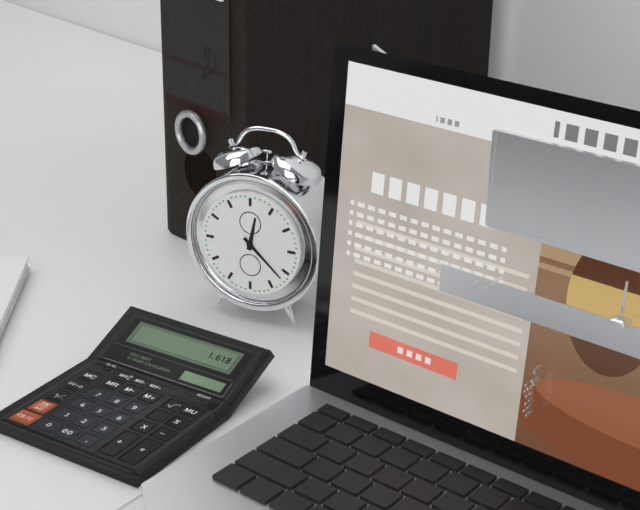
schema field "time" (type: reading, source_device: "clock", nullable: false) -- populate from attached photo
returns 12:22
